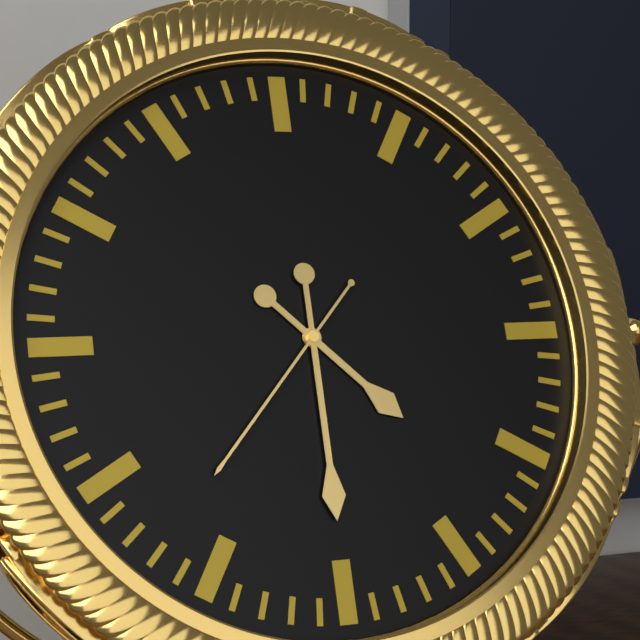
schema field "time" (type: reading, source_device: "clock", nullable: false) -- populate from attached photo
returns 4:30:37
